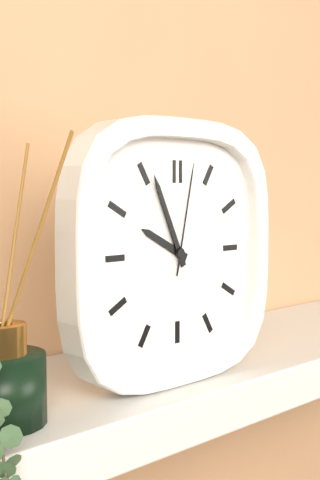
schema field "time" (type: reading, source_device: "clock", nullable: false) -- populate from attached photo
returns 9:56:02
